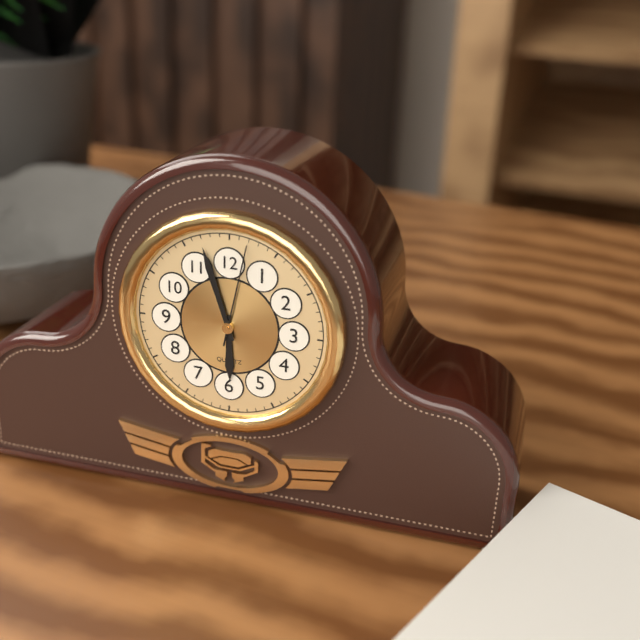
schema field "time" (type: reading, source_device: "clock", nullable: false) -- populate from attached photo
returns 5:57:02
